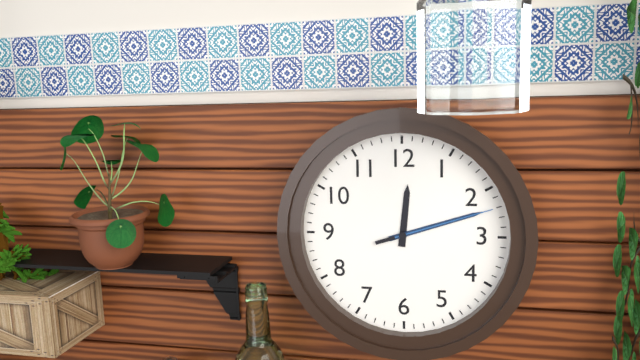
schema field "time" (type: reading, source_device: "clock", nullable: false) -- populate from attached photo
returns 12:12:12
